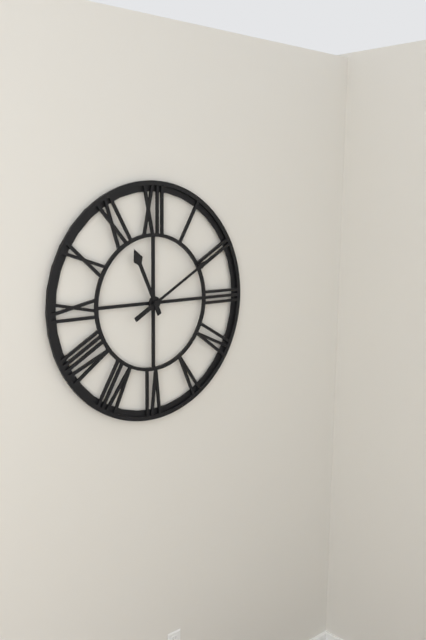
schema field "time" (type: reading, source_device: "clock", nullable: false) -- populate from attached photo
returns 11:10
